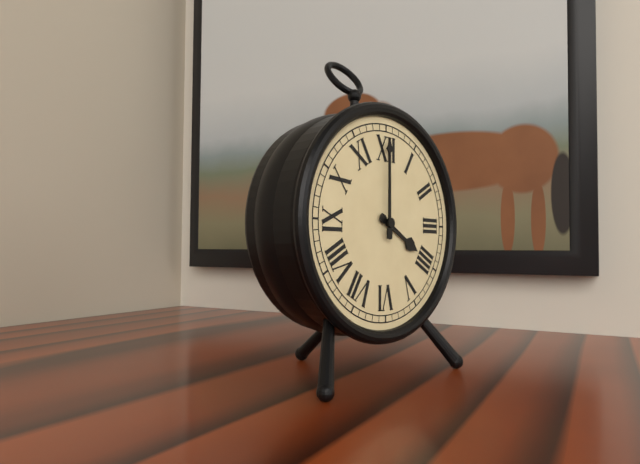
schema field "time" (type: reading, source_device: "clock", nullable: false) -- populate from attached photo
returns 4:00
